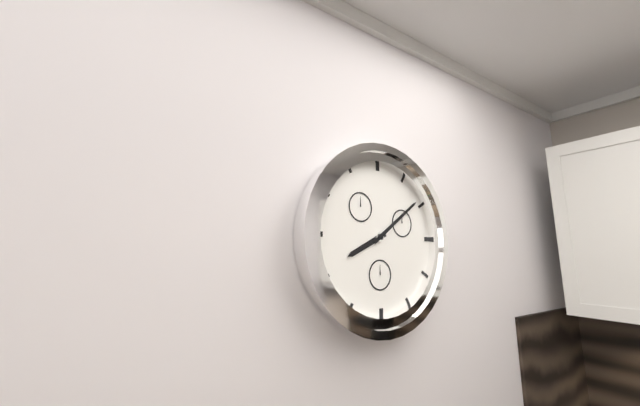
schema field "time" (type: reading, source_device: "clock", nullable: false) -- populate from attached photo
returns 8:09
